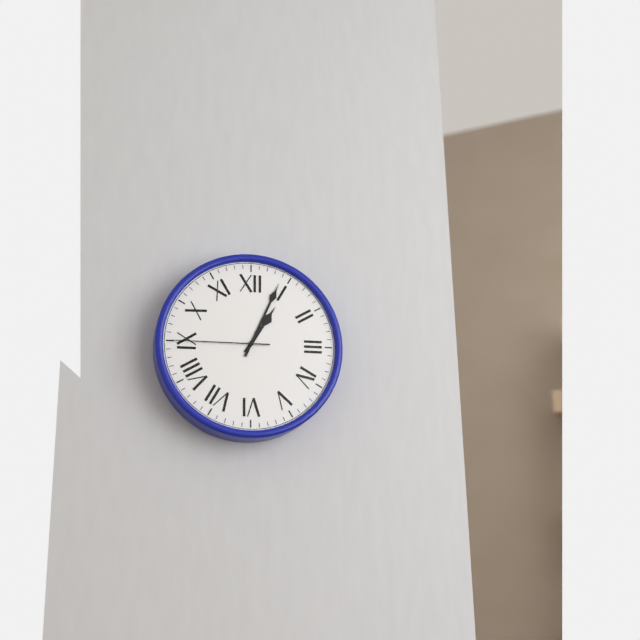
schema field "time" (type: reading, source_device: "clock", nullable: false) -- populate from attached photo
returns 1:04:45
